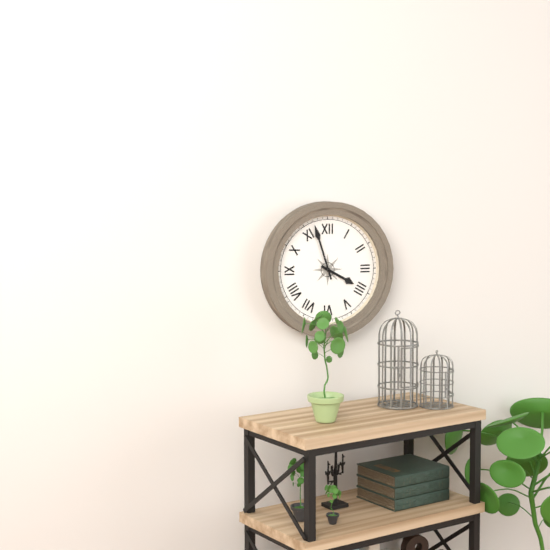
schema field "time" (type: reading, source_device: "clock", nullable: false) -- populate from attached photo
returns 3:57
